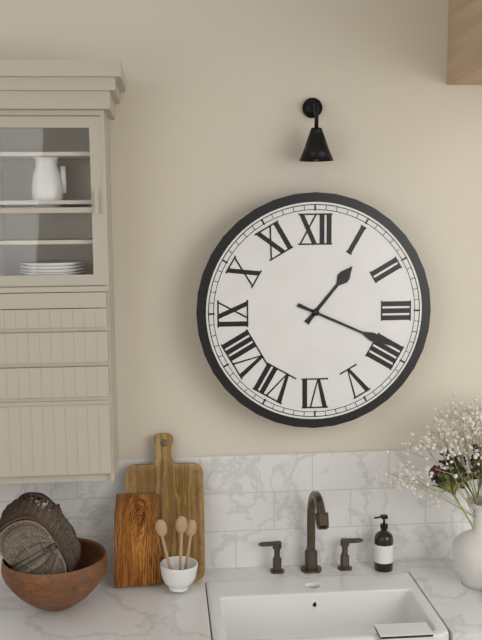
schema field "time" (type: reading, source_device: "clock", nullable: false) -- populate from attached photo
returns 1:19
